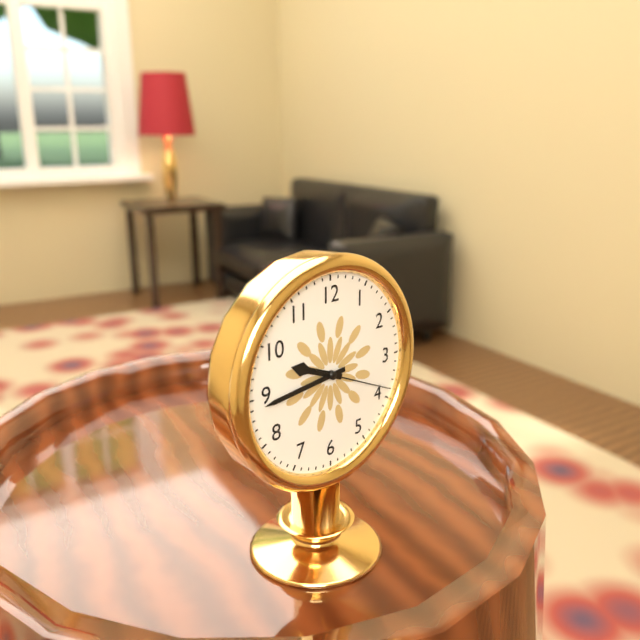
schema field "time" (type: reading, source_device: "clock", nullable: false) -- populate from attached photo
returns 9:44:19
